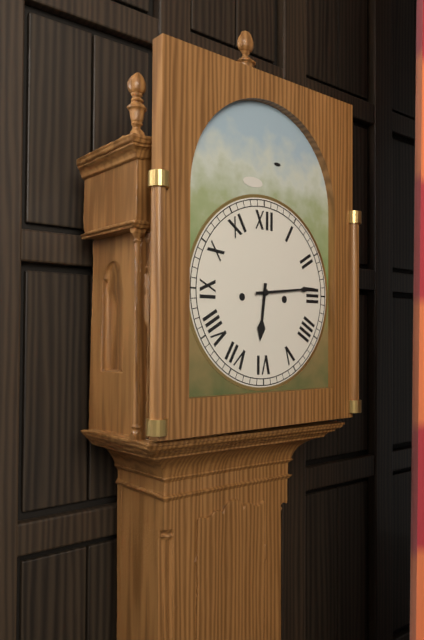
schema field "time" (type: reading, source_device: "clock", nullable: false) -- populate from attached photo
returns 6:14
